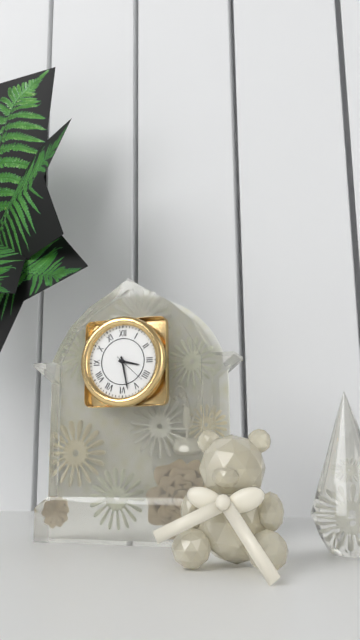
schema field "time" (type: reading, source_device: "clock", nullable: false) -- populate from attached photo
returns 3:28
